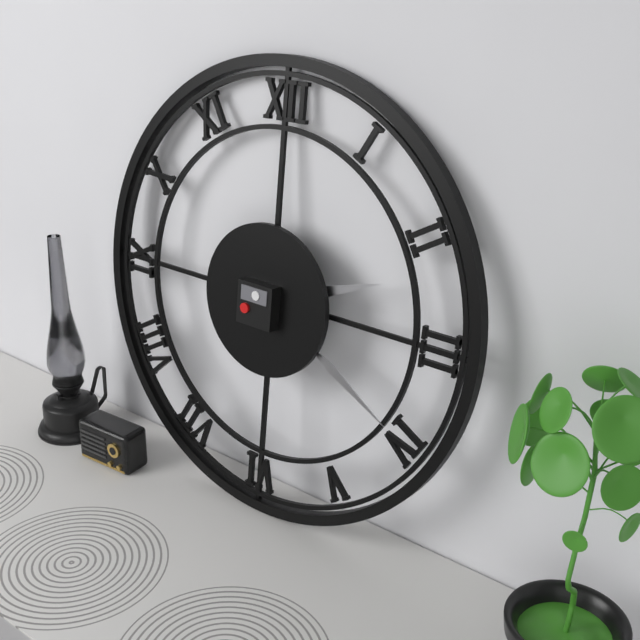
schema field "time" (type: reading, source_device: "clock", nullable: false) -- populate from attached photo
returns 2:20
